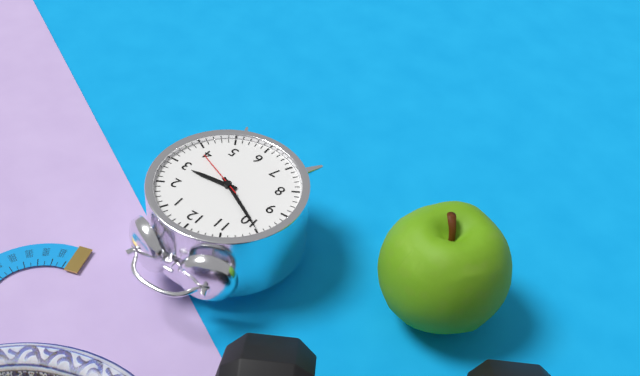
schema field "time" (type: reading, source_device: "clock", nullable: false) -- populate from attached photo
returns 2:50:19
